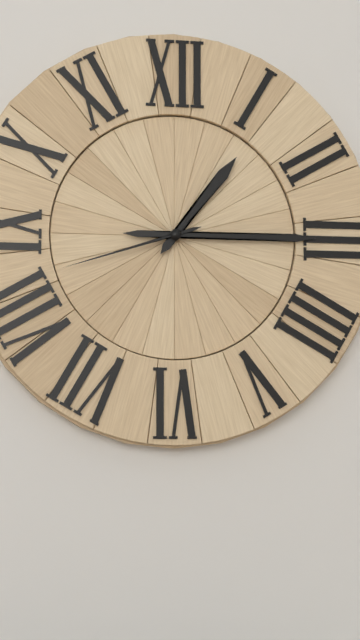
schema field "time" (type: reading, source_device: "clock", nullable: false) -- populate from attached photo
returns 1:15:42
